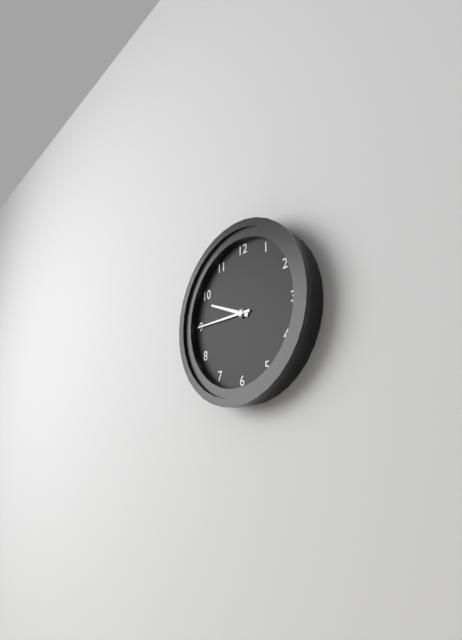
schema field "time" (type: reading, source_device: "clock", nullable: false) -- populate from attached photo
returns 9:45
